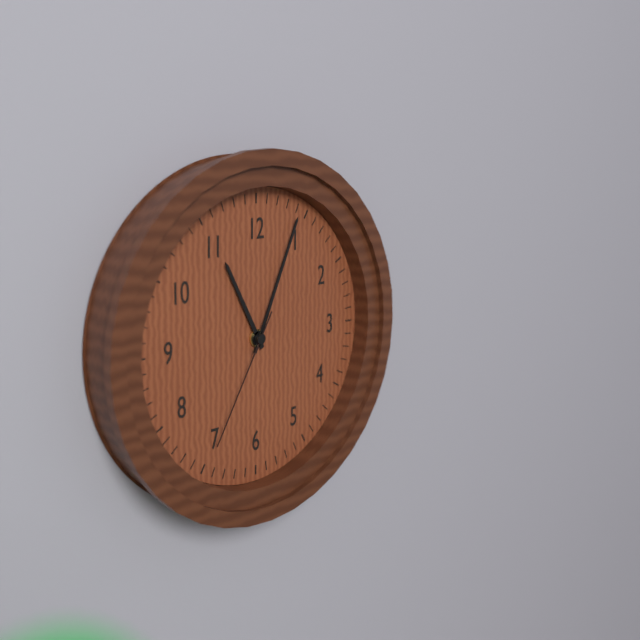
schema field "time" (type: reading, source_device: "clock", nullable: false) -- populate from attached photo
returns 11:04:35
